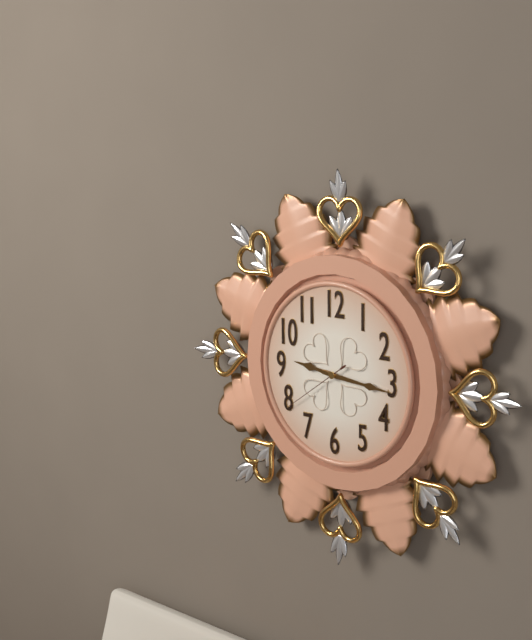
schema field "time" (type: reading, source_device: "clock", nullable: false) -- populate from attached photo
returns 9:16:39
